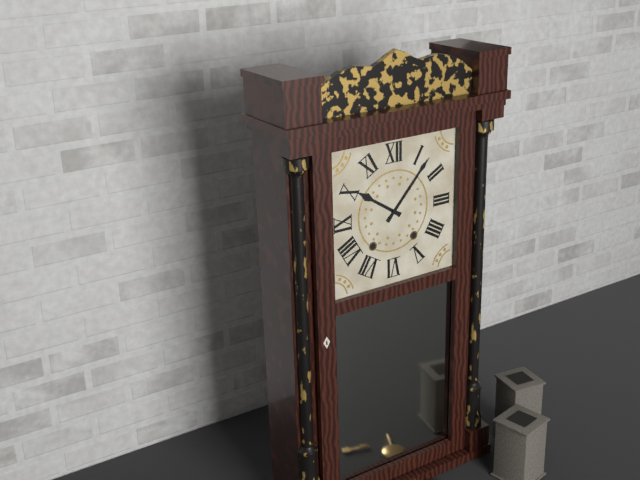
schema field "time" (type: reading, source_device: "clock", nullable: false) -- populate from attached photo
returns 10:07
